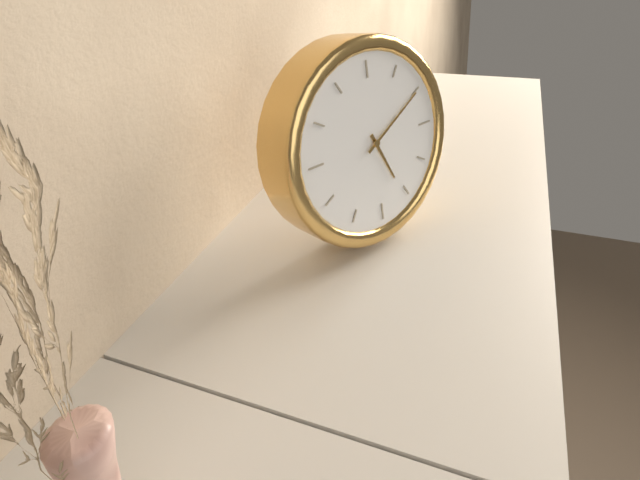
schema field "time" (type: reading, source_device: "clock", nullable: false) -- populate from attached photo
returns 5:10
